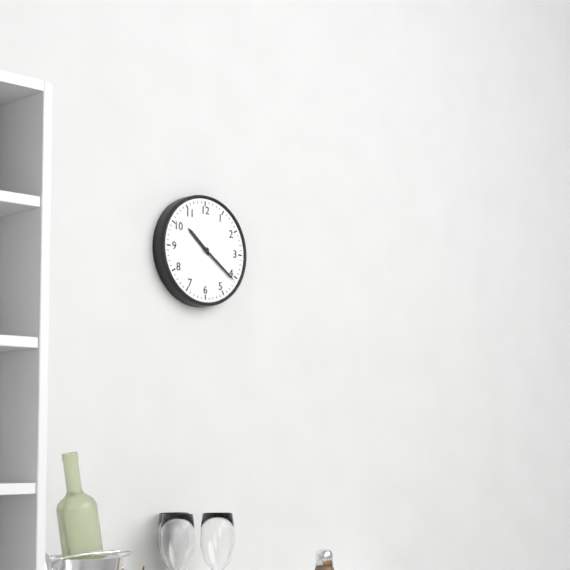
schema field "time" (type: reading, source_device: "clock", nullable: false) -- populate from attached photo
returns 10:21
